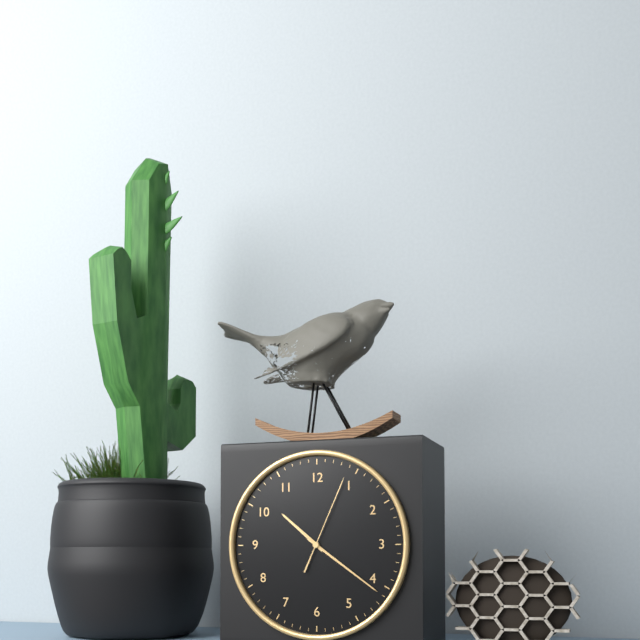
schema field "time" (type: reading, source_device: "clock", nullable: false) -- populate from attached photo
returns 10:21:04
